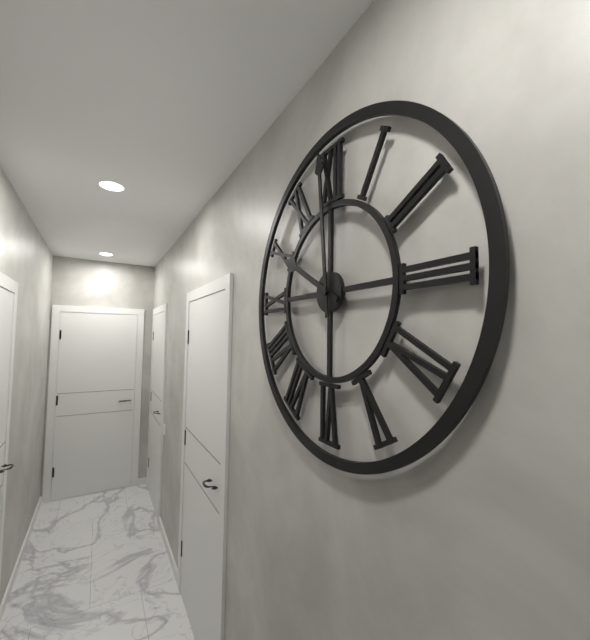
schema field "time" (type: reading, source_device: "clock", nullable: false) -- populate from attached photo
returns 9:59
